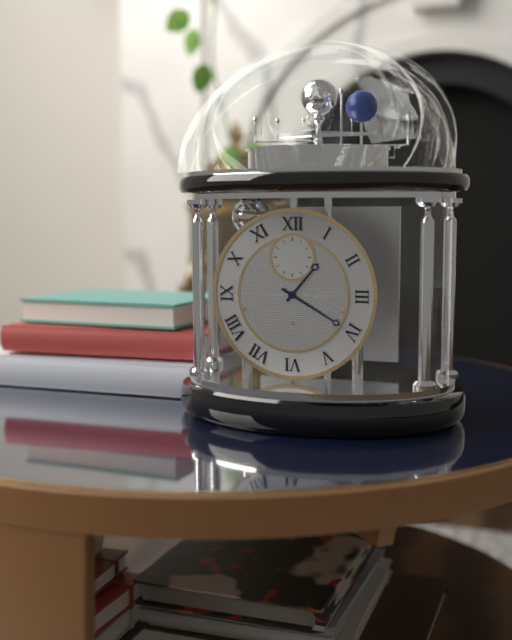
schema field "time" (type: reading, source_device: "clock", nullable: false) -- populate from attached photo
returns 1:20
